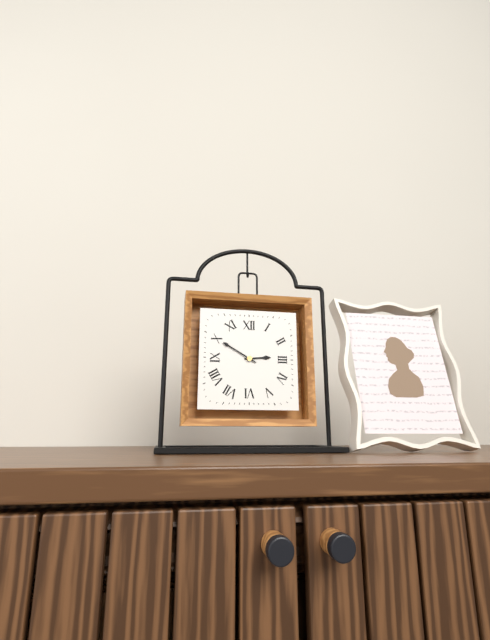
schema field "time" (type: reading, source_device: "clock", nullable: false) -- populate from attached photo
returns 2:50
